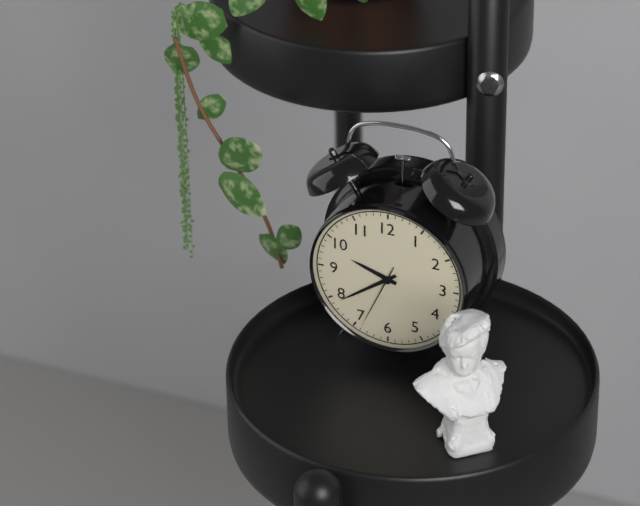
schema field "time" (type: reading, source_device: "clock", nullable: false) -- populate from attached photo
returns 9:39:34
